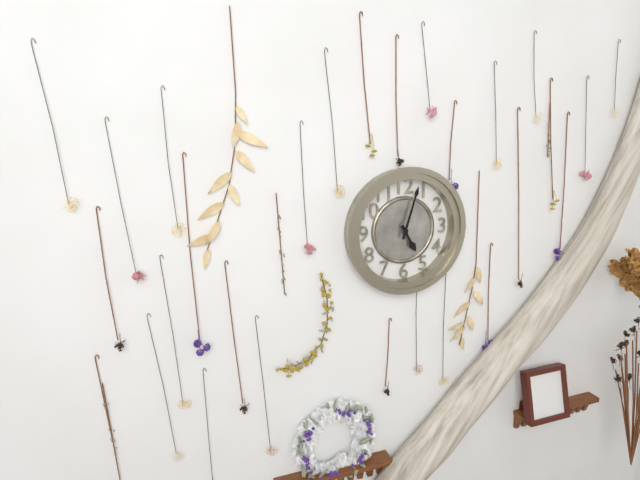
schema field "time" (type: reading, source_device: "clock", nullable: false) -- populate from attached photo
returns 5:03
